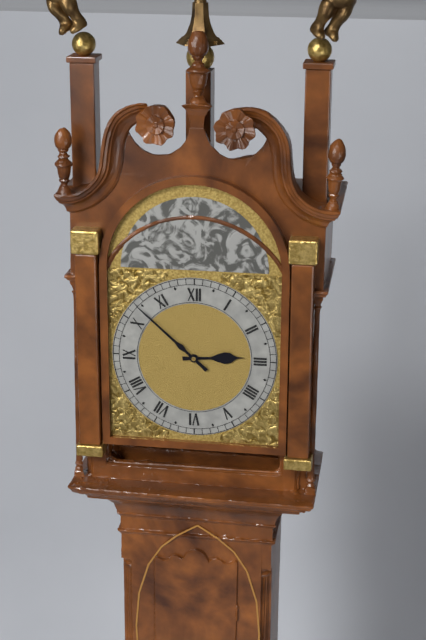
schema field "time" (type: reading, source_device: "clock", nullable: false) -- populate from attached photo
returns 2:52
